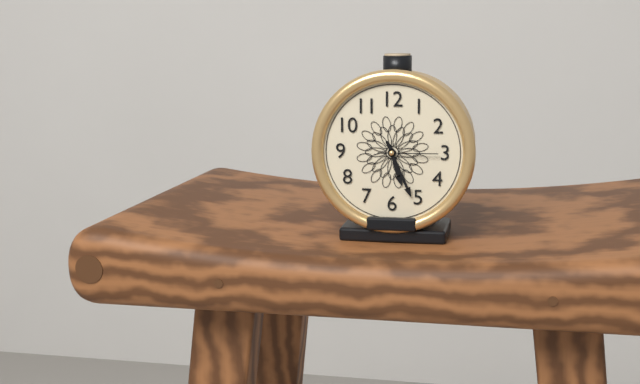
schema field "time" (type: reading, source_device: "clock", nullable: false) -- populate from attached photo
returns 5:26:15
